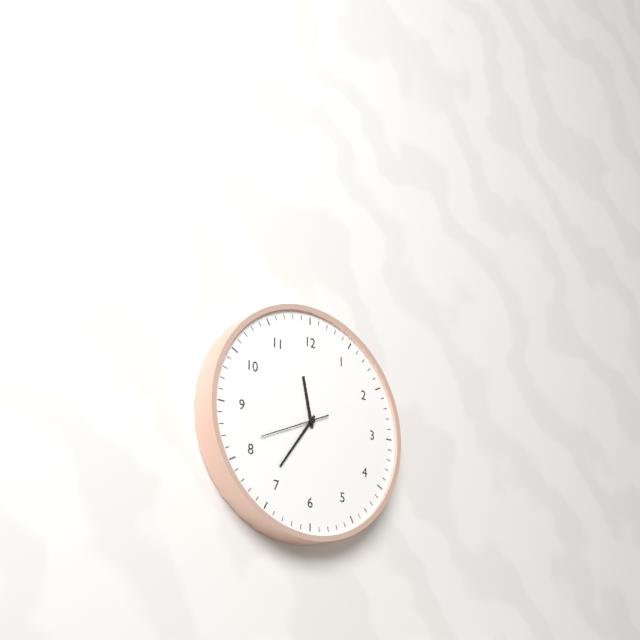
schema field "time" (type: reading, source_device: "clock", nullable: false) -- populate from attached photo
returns 11:36:41
